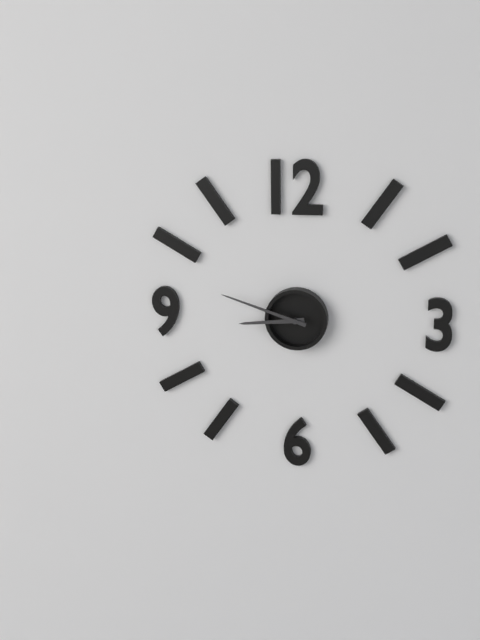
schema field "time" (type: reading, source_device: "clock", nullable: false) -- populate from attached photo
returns 8:48
